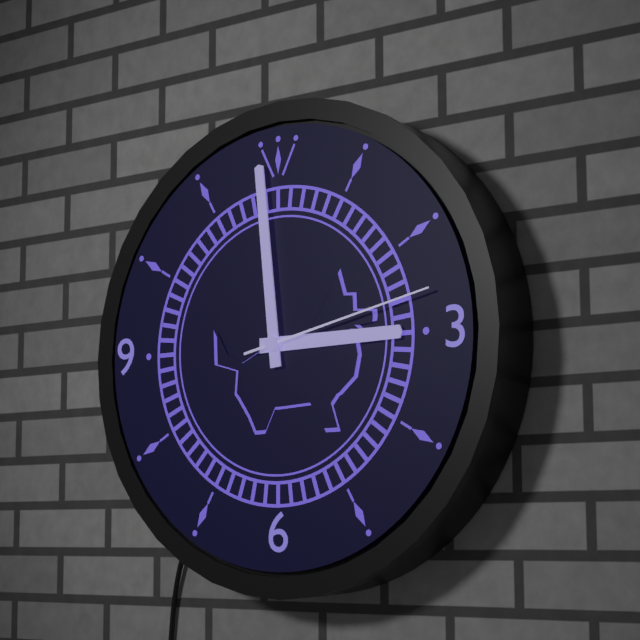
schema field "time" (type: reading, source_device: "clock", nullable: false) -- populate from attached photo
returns 2:59:13
